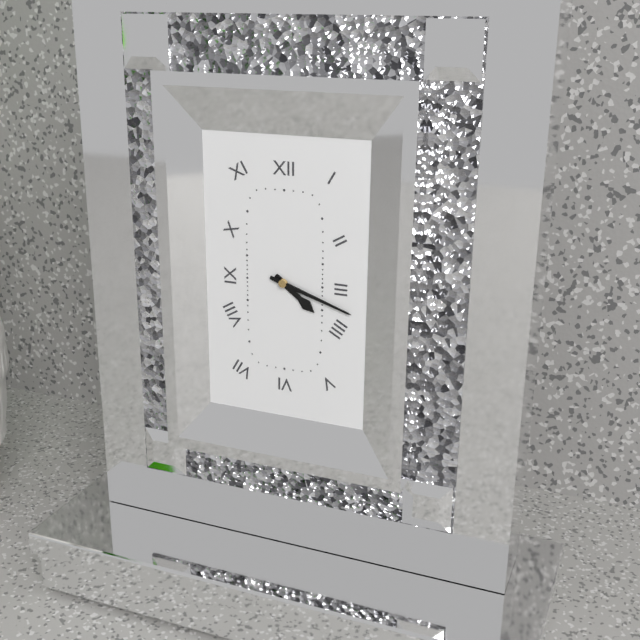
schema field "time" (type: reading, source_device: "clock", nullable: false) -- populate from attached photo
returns 4:18
